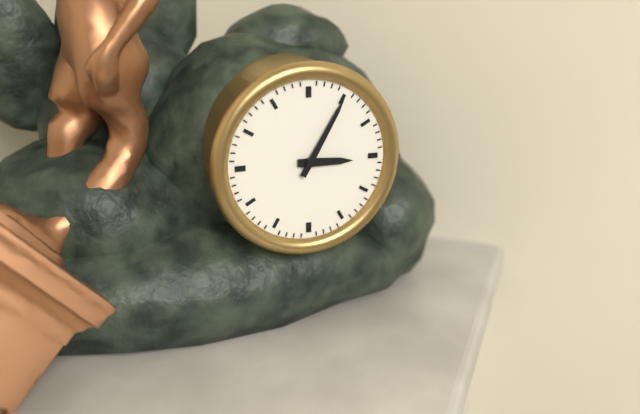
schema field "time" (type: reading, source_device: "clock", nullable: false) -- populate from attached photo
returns 3:05
